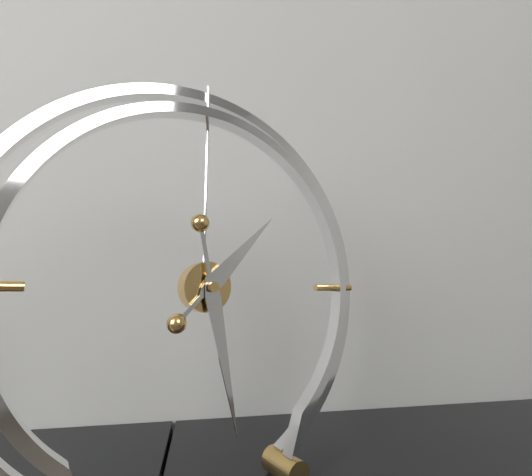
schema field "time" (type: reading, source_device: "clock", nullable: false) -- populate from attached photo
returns 1:28
